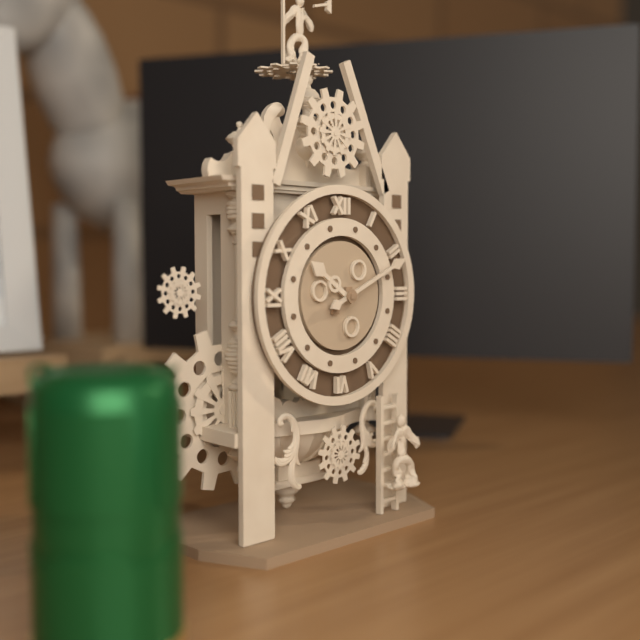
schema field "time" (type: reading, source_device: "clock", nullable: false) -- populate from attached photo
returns 10:11
